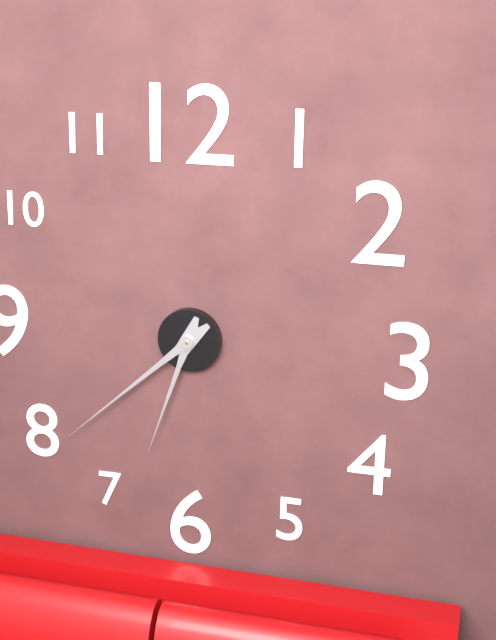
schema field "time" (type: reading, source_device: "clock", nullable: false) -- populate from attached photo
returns 6:38
